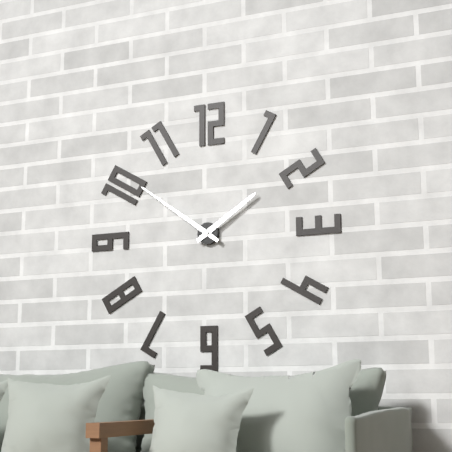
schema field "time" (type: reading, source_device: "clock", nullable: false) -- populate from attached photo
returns 1:51
